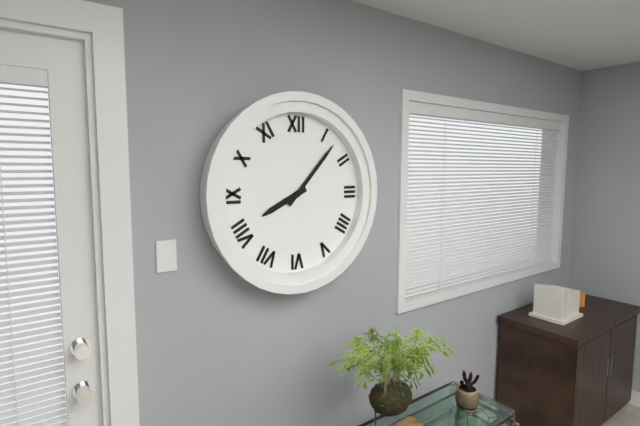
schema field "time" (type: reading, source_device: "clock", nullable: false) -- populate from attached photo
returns 8:07
